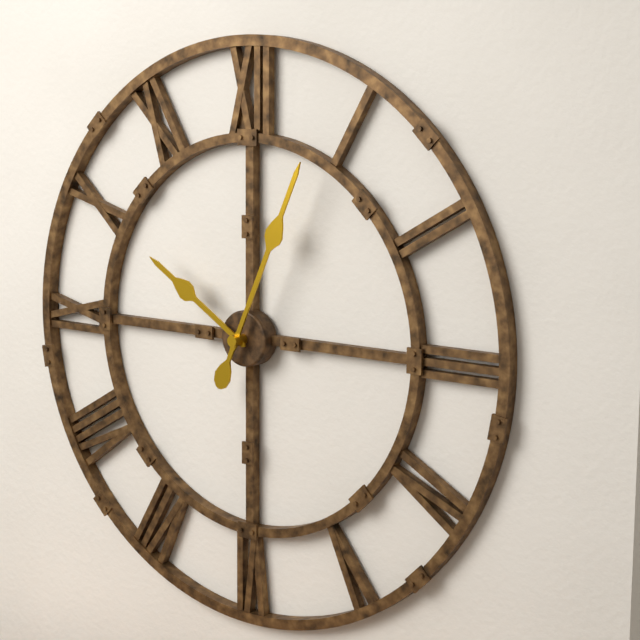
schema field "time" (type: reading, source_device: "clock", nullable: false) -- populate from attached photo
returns 10:04
